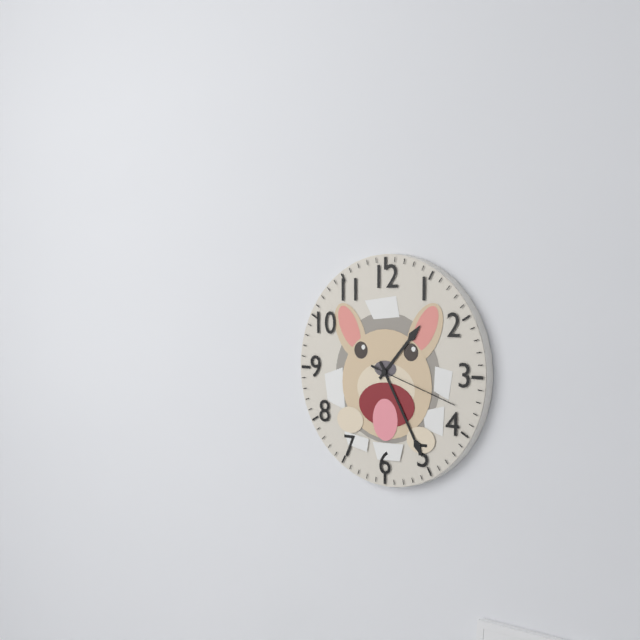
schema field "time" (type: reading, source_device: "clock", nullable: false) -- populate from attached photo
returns 1:25:18
